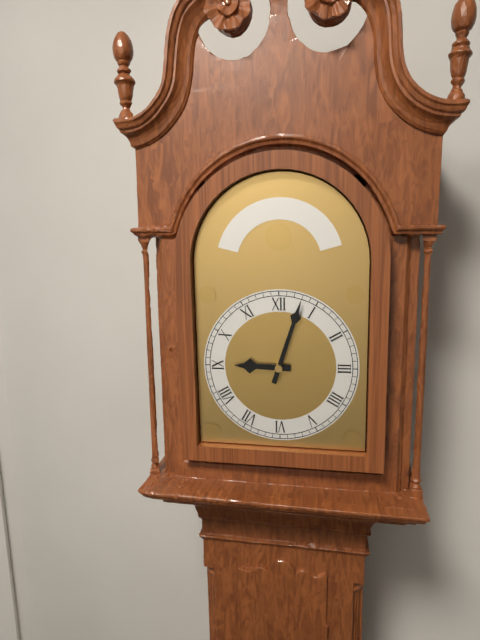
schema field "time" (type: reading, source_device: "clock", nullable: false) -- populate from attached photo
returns 9:03
